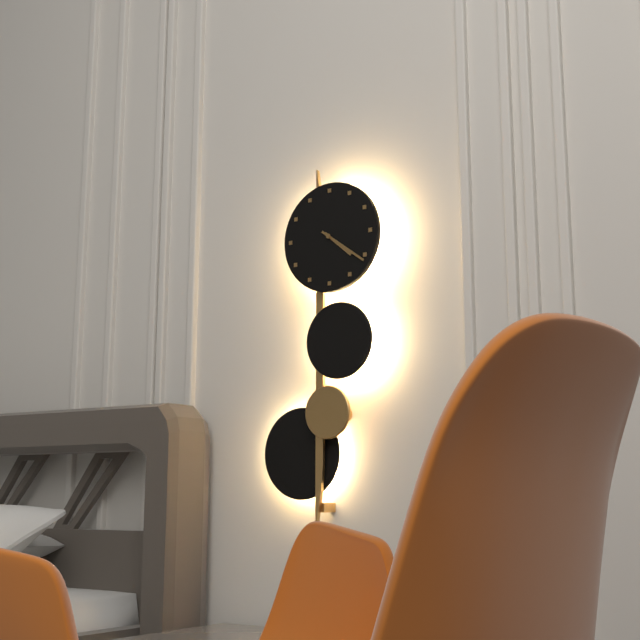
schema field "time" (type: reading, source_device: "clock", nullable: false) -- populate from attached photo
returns 4:21
